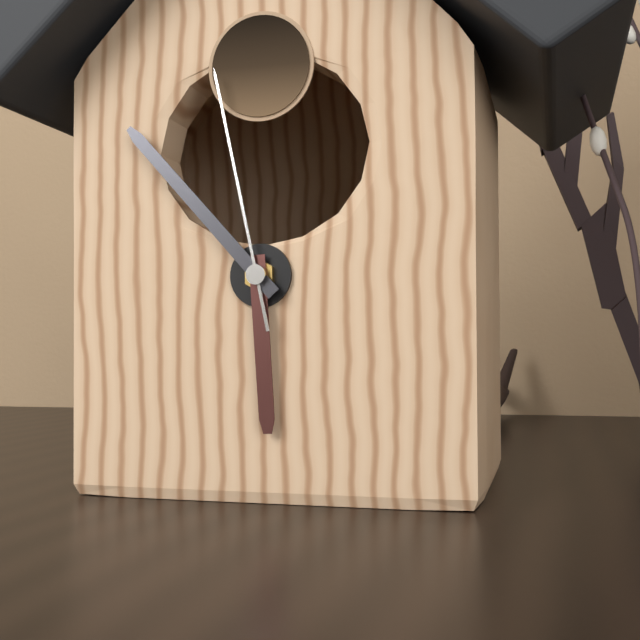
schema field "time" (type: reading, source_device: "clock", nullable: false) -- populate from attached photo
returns 5:53:58
